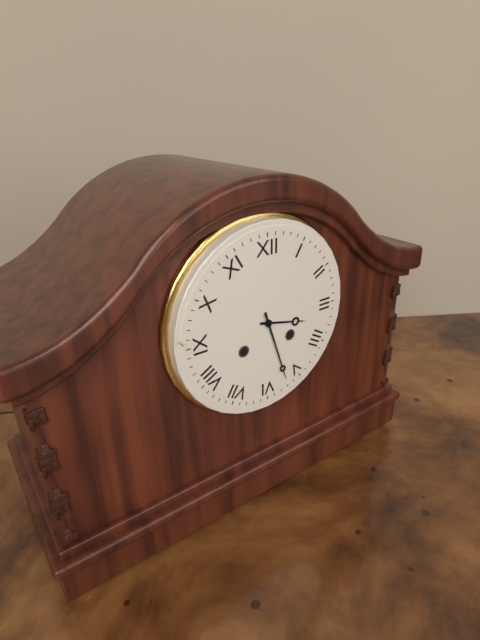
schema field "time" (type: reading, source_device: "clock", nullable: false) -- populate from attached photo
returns 3:27
